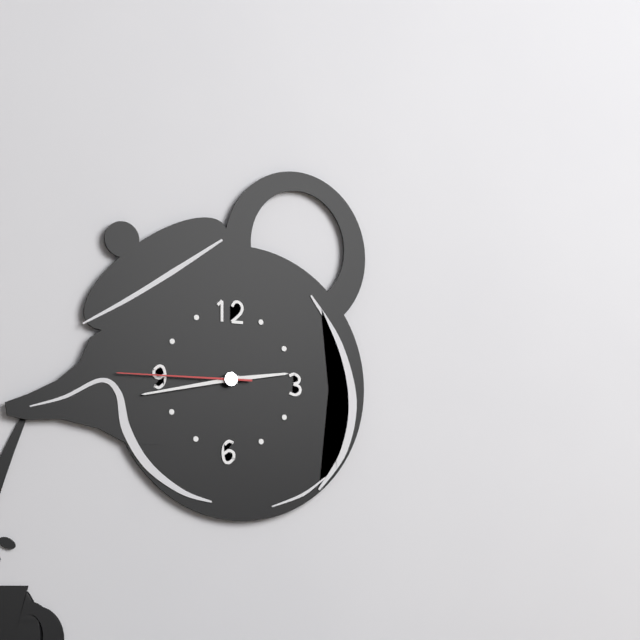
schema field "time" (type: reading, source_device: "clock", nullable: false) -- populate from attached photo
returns 2:43:45
